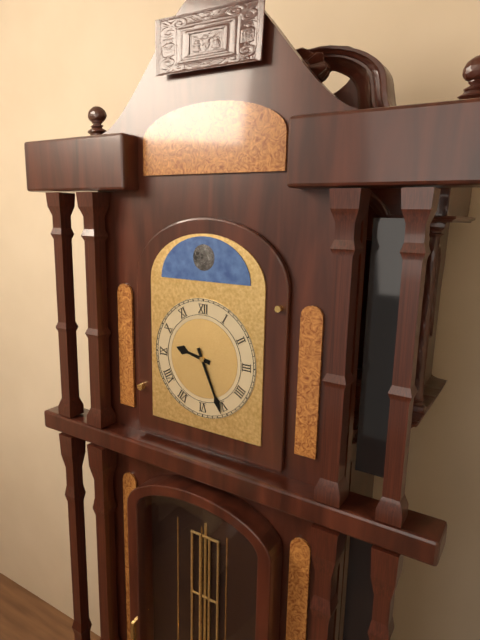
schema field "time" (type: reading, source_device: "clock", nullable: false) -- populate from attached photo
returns 9:26
